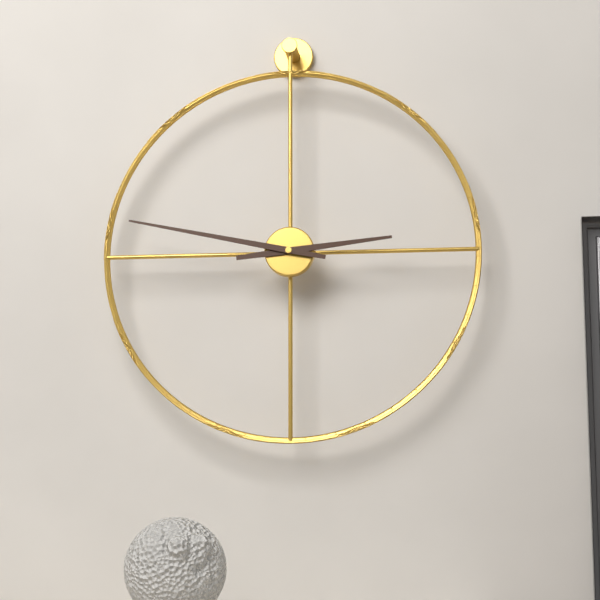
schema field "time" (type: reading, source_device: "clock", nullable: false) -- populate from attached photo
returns 2:47
